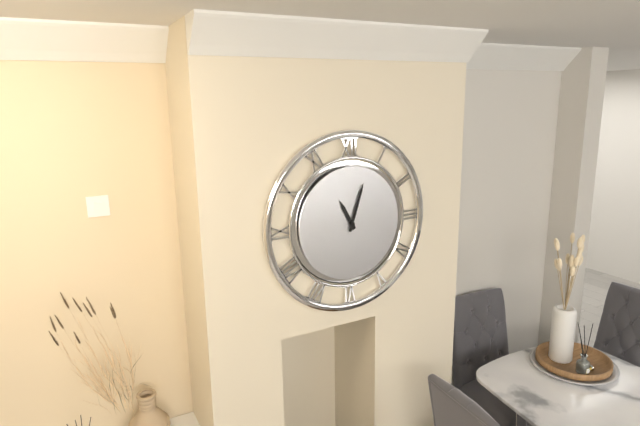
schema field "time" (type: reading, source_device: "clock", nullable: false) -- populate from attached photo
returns 11:03
